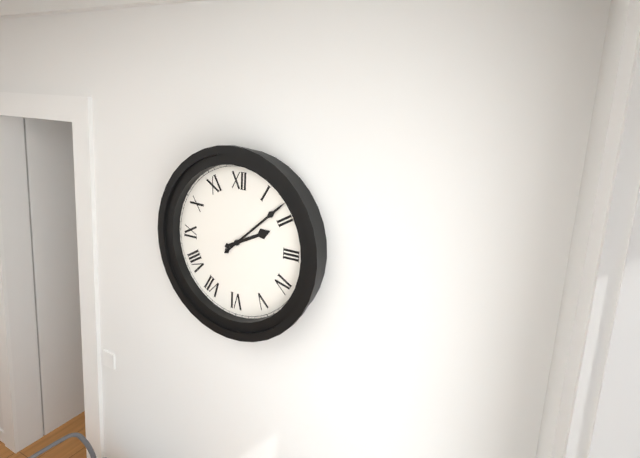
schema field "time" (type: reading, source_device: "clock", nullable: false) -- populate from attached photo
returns 2:08
